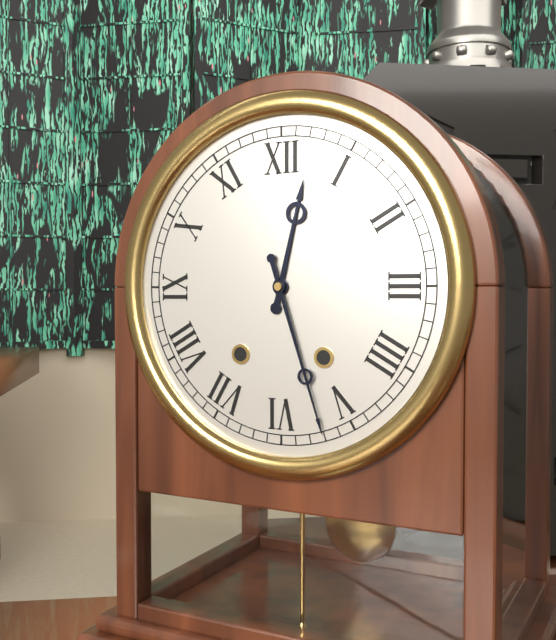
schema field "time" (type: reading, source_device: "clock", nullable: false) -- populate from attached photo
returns 12:27
